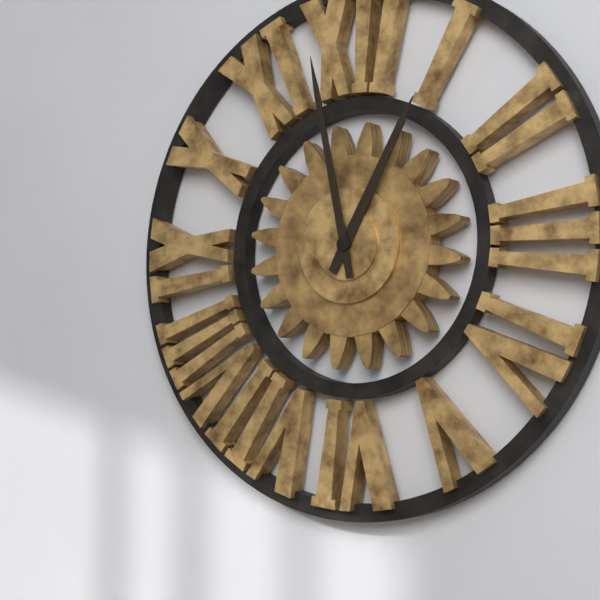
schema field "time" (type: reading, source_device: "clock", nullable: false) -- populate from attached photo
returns 12:58
